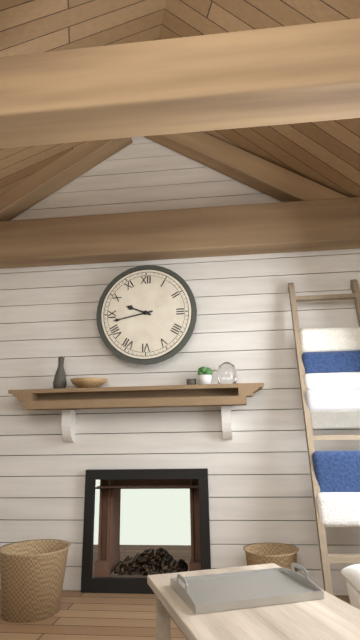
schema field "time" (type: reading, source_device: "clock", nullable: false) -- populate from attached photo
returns 9:43
